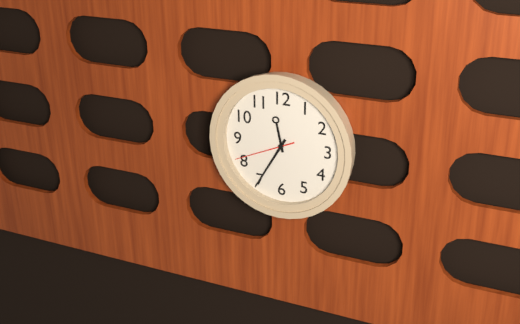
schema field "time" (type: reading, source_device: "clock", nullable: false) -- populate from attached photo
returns 11:35:41
